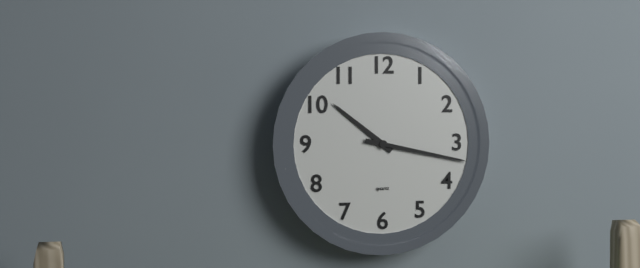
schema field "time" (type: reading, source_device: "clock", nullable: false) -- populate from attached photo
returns 10:17
